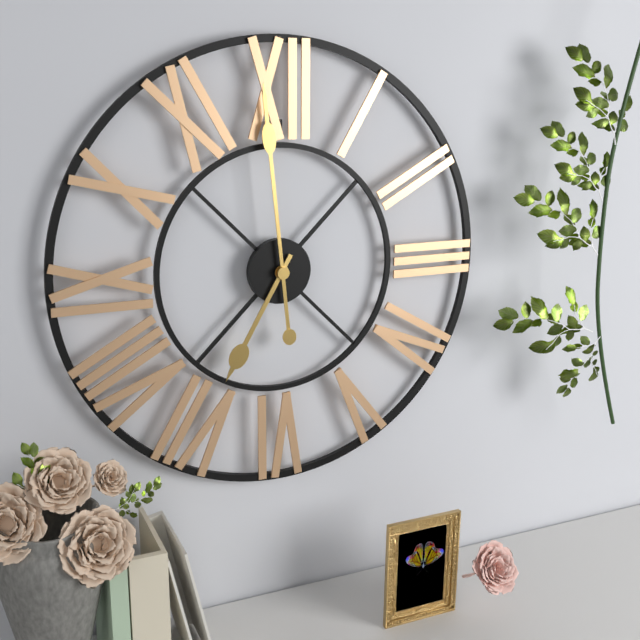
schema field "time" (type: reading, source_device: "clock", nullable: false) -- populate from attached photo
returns 6:59
